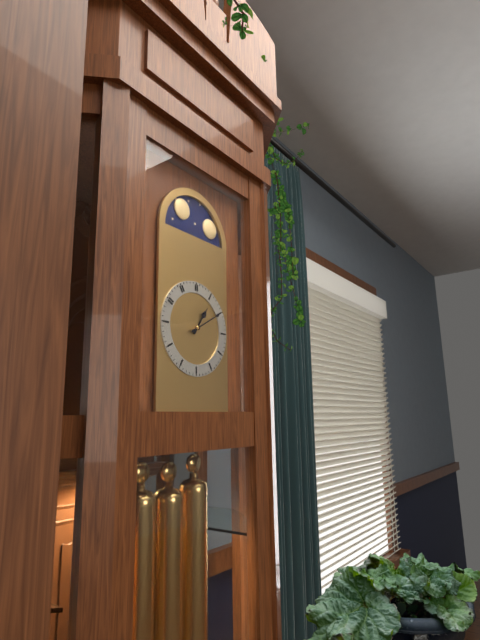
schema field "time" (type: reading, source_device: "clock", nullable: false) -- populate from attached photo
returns 1:10
